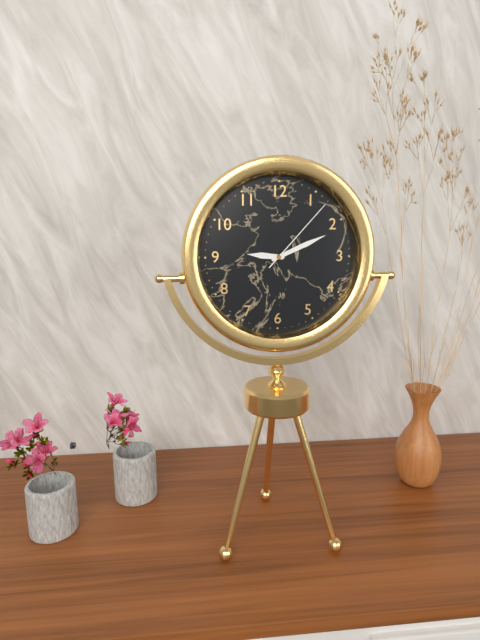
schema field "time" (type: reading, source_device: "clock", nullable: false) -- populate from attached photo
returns 9:11:07
